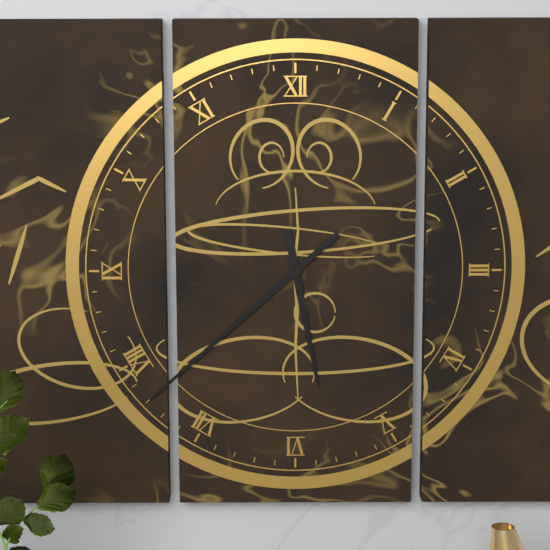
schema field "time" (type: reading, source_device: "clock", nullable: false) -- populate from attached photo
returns 5:38
